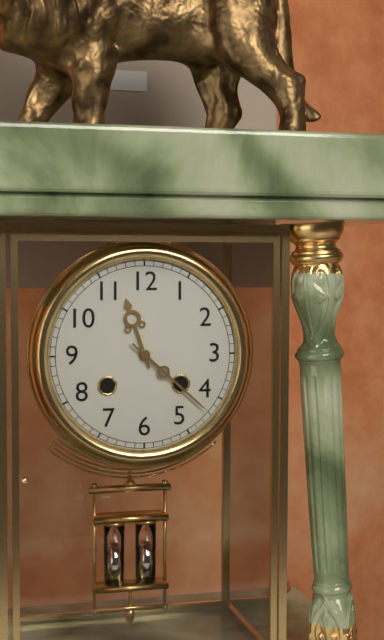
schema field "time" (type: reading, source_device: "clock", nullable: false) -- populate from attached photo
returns 11:22
